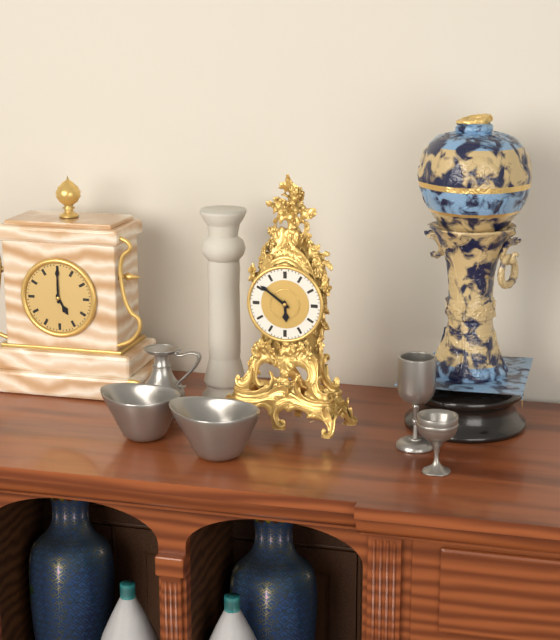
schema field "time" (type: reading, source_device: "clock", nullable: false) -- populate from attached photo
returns 5:51
